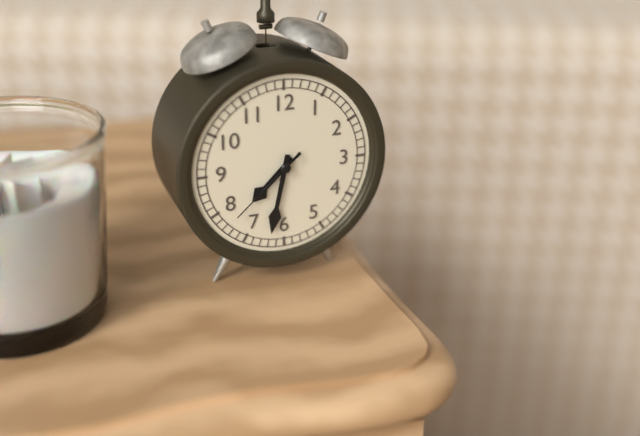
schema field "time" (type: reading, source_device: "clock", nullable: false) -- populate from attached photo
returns 7:32:38
